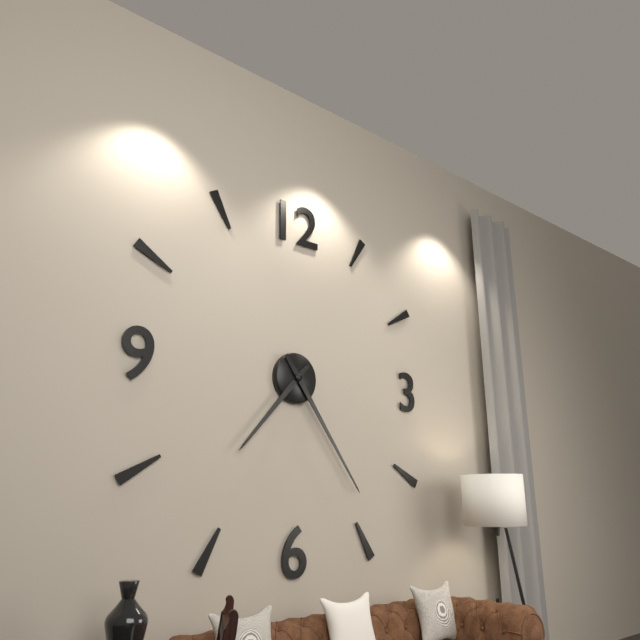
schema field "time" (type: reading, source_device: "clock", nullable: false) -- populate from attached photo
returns 7:24
